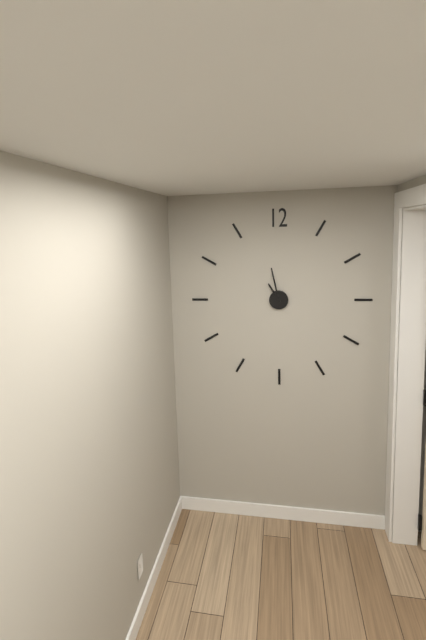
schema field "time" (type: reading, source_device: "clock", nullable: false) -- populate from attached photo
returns 10:58
